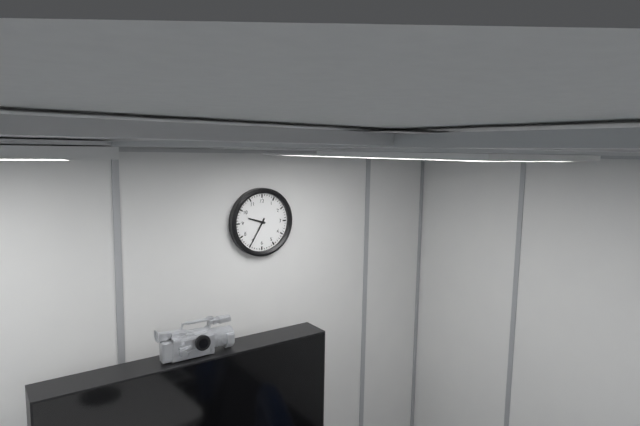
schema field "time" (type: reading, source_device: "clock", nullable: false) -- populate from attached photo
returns 9:35
